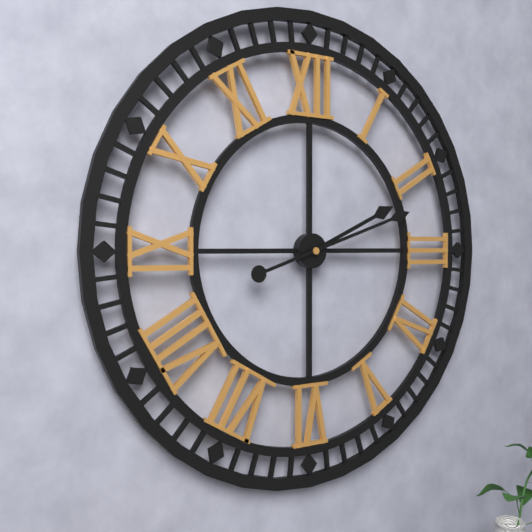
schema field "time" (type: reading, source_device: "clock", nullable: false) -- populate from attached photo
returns 2:12
